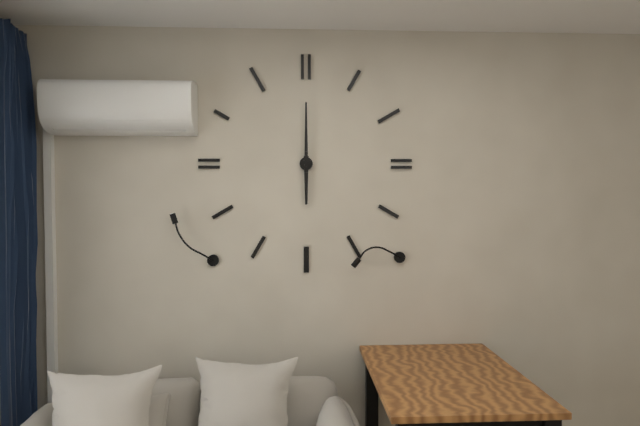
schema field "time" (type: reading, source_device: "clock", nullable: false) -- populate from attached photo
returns 6:00
